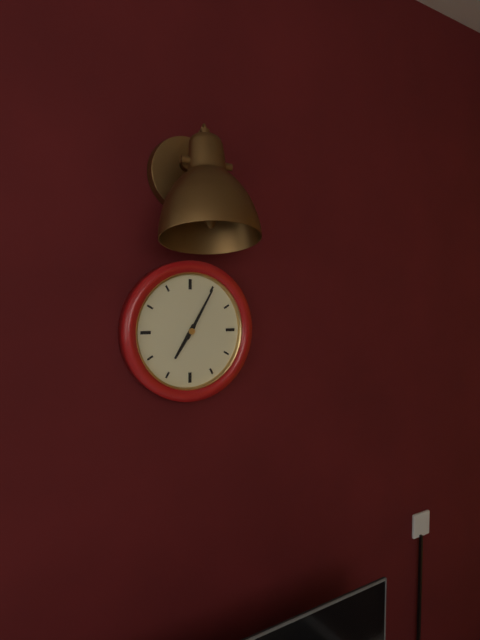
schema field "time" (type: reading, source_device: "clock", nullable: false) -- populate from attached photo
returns 7:05
